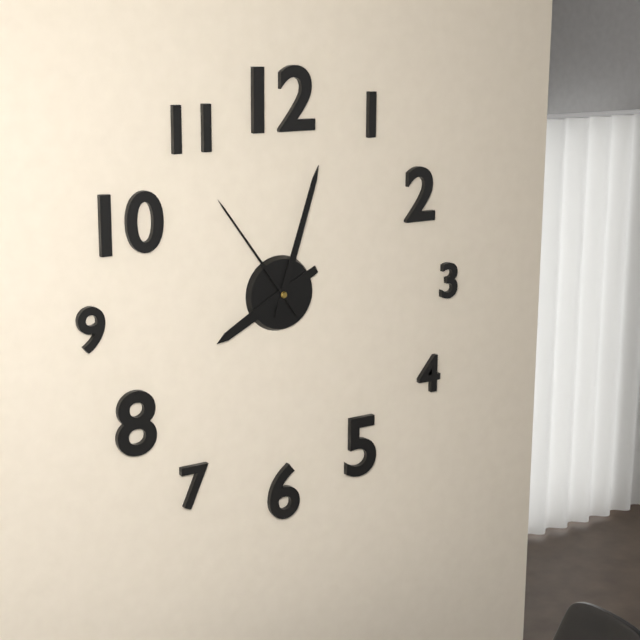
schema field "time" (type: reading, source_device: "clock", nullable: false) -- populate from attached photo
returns 8:03:54
